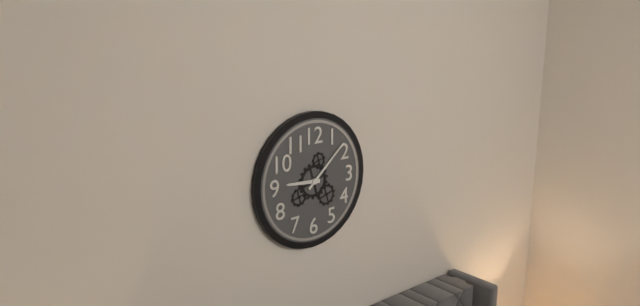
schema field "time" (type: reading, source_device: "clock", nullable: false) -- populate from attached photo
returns 9:08
